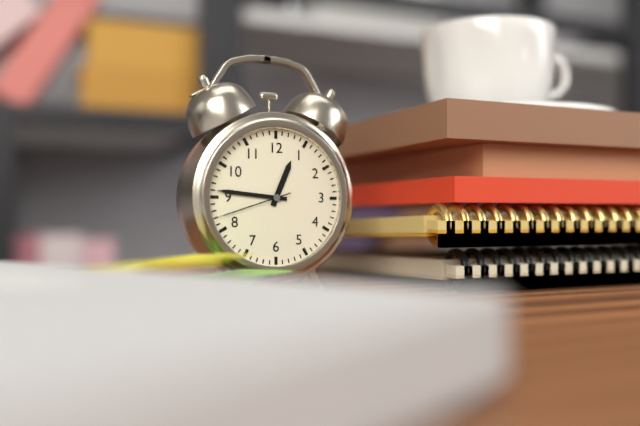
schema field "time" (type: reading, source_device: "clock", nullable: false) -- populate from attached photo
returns 12:46:42
